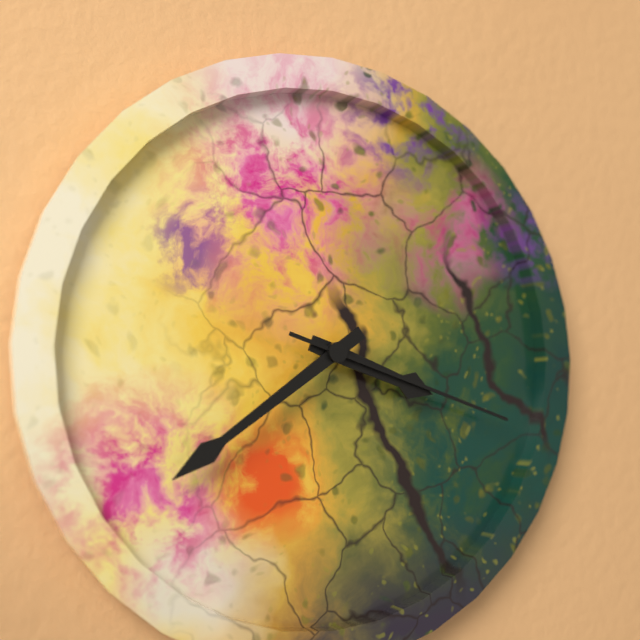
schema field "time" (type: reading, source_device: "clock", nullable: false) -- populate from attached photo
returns 3:39:18
